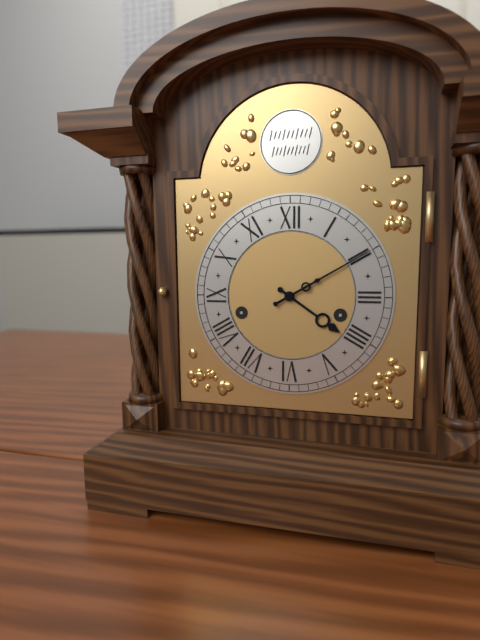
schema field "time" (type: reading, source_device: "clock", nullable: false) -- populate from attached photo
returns 4:10
